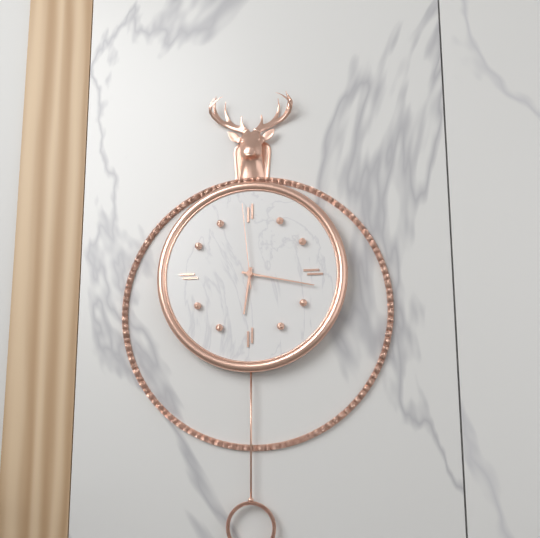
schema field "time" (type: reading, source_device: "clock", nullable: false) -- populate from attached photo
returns 6:17:59
